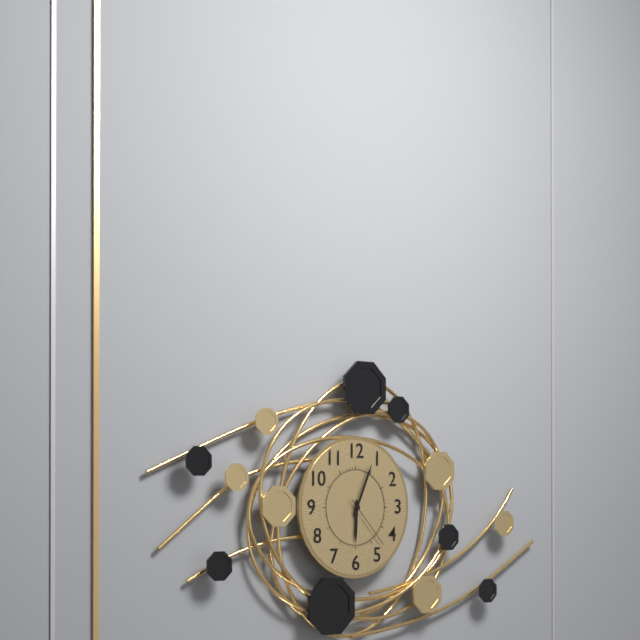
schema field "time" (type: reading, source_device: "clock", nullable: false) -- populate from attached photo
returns 6:04:23
